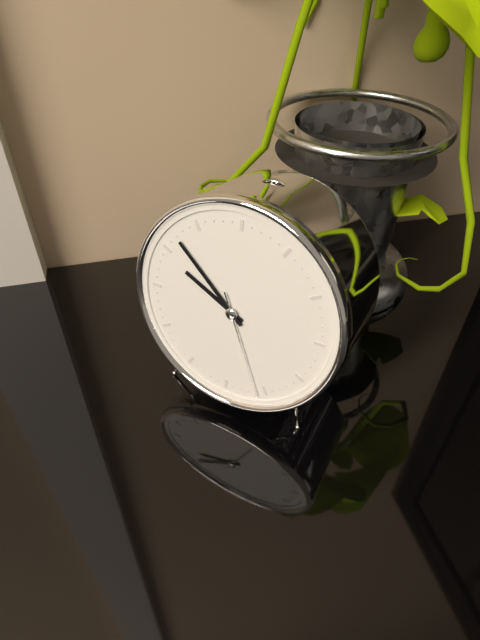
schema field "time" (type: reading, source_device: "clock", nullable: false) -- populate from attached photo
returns 9:52:26
